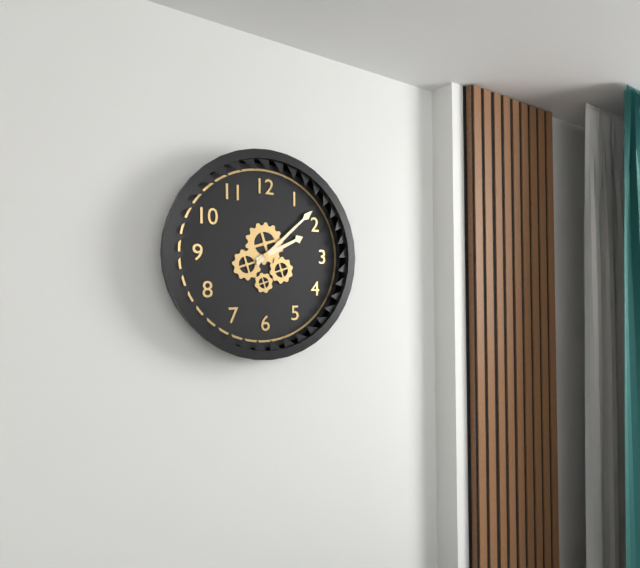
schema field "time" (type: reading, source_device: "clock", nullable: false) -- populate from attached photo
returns 2:08
